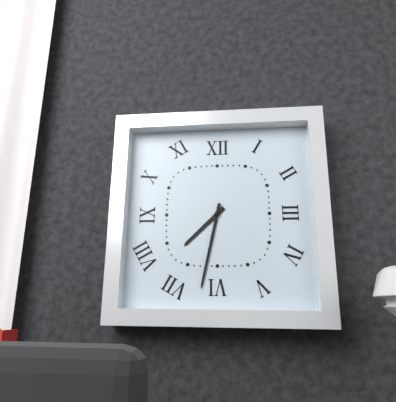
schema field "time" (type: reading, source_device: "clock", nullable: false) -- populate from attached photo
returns 7:32
